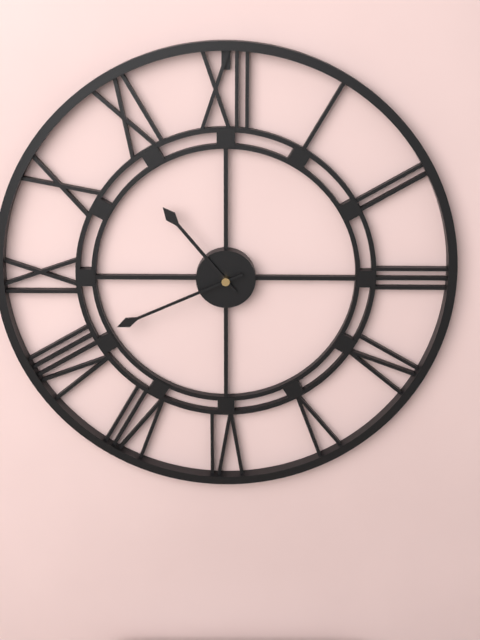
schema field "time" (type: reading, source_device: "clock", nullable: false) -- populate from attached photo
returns 10:41
